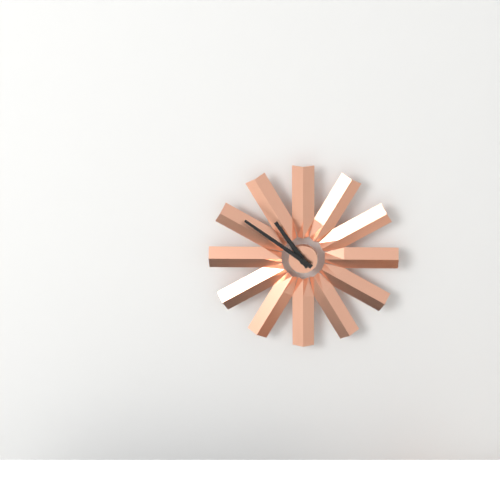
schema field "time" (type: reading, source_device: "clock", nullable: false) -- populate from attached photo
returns 10:51
